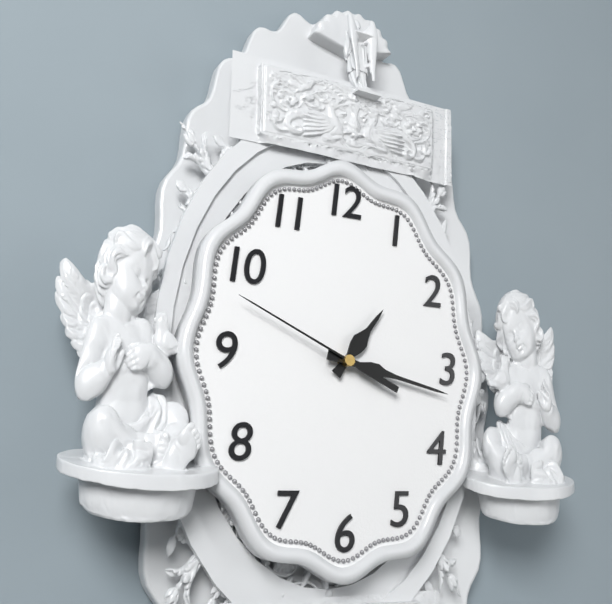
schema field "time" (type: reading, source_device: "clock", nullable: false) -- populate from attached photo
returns 1:17:49
